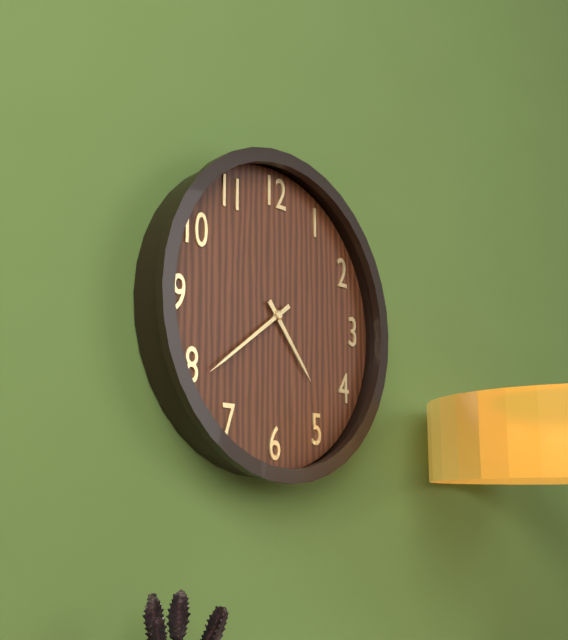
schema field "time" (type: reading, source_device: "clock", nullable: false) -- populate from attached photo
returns 4:39
